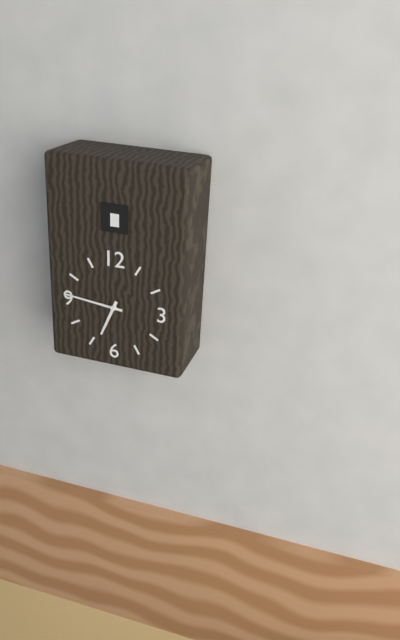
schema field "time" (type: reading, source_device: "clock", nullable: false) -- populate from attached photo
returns 6:46
